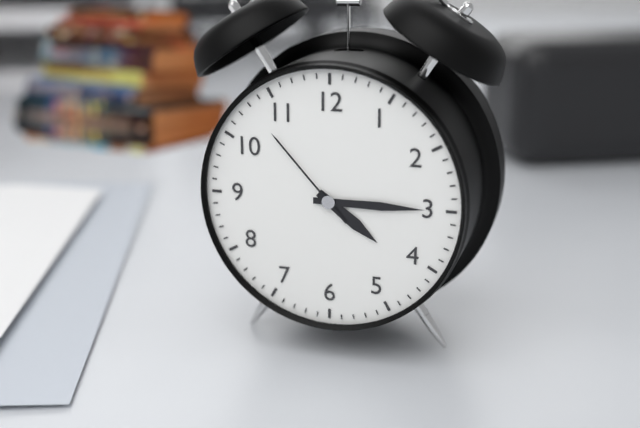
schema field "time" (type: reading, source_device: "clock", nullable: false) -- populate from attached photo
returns 4:15:53
